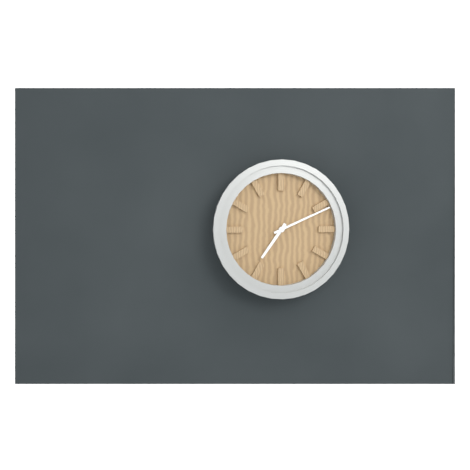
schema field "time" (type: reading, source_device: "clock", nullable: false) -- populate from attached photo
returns 7:11
